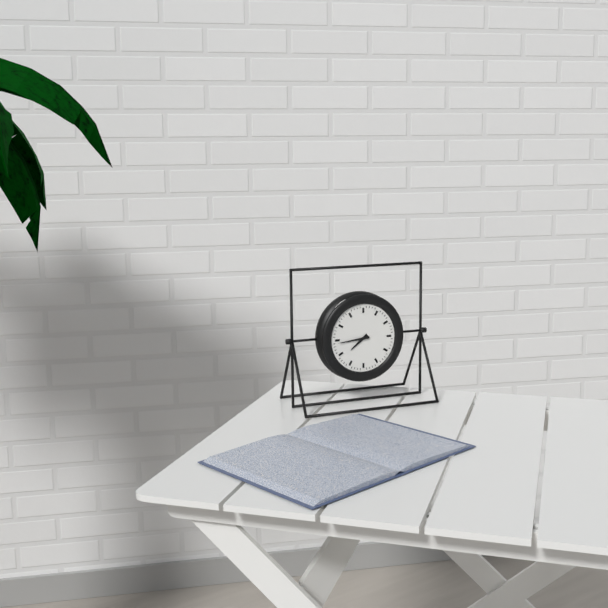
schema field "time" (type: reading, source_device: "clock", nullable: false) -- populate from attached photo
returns 7:44
